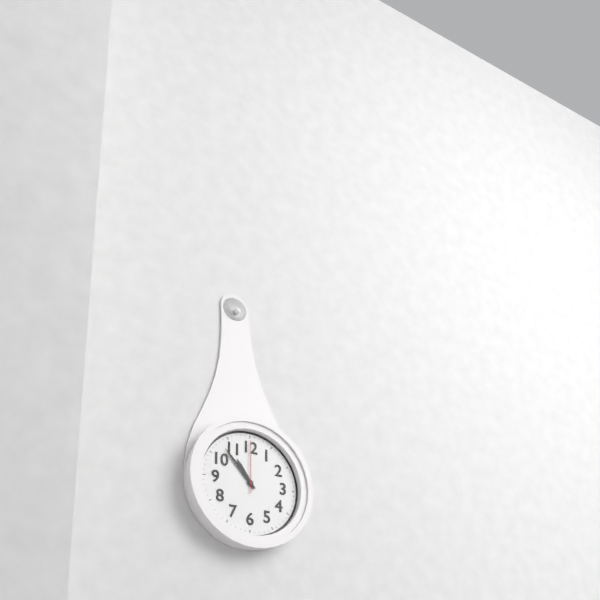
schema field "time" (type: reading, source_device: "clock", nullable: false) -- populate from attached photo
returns 10:53:00
